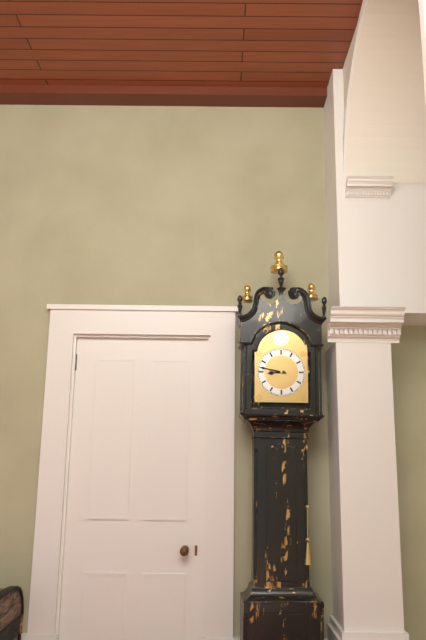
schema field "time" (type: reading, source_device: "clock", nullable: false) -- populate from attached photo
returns 8:47
